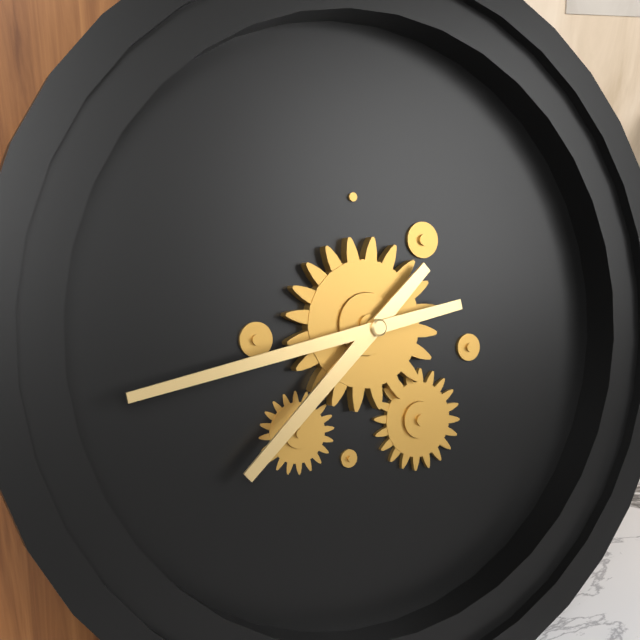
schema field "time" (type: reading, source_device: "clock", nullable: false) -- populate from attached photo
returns 7:44
